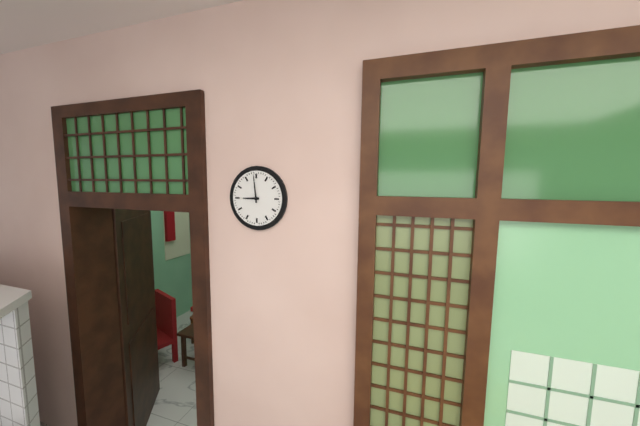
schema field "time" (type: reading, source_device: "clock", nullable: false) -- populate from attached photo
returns 8:59
